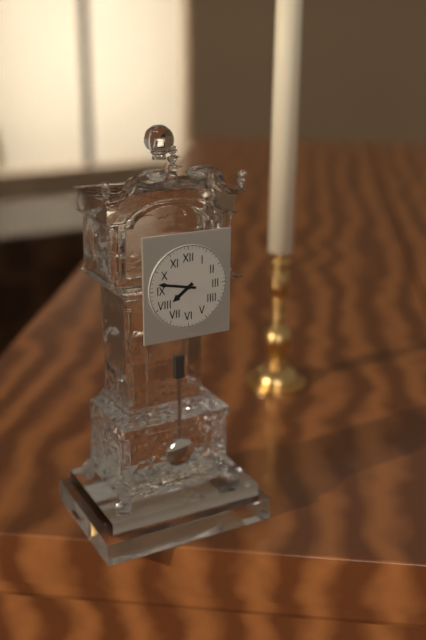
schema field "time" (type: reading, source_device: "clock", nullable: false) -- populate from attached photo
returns 7:47
